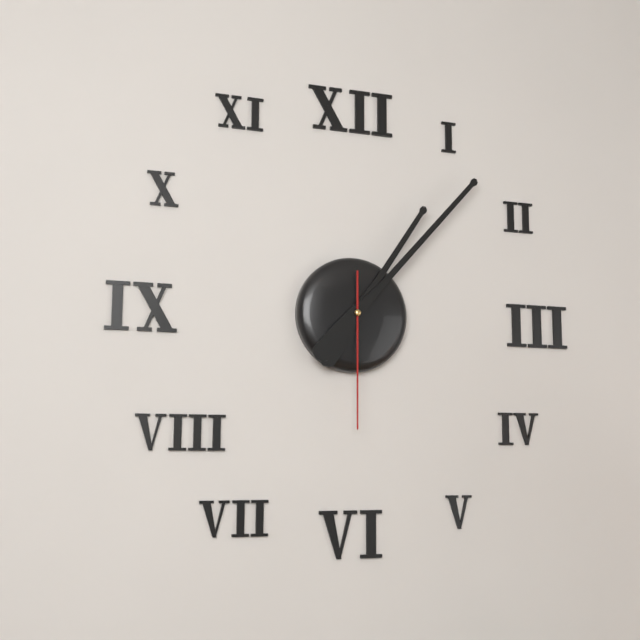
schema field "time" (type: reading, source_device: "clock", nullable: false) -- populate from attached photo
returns 1:07:30
